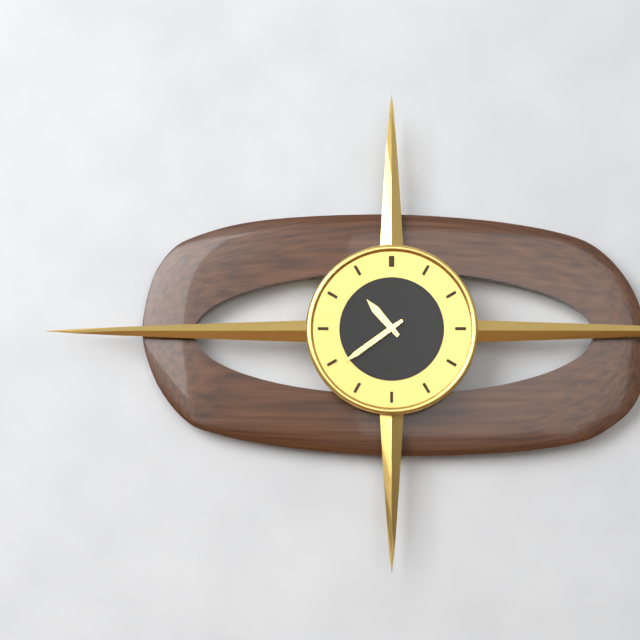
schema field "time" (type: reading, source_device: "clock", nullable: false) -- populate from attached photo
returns 10:39
